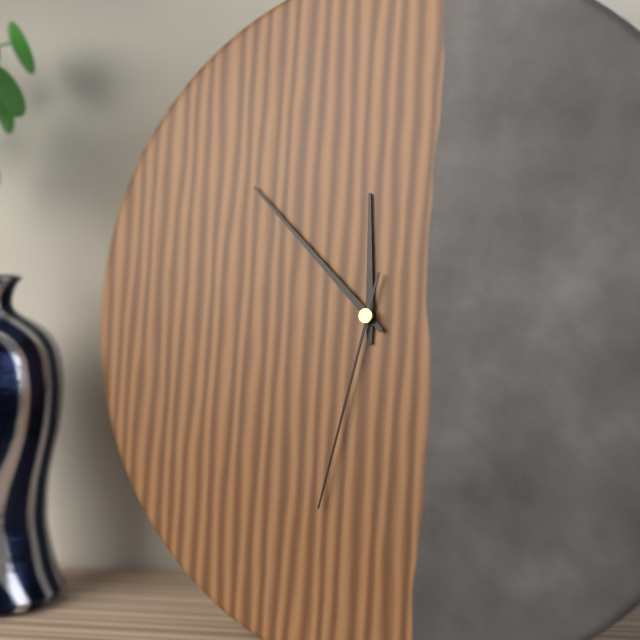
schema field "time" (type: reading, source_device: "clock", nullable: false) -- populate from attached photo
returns 11:52:32
